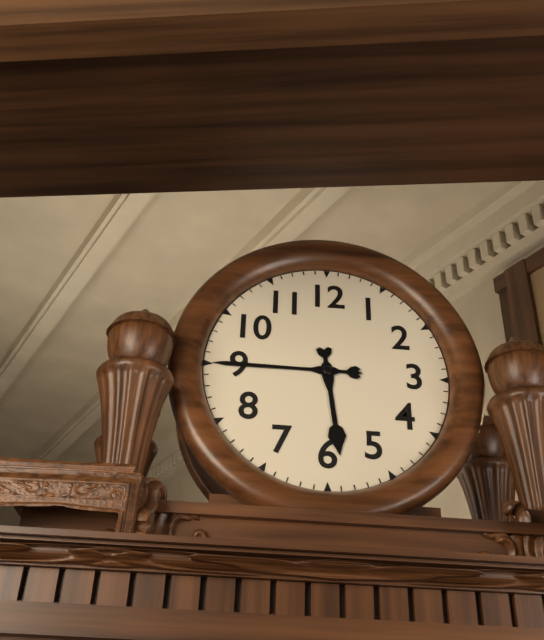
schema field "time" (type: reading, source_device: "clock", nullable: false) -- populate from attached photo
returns 5:45
